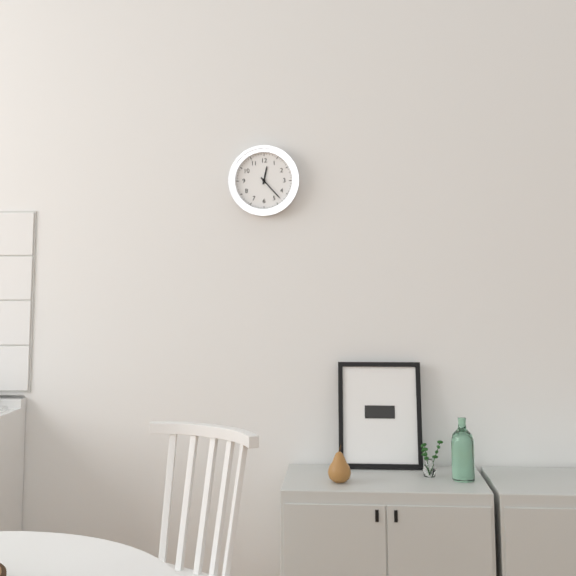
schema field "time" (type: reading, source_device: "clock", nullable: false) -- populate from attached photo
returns 12:23
